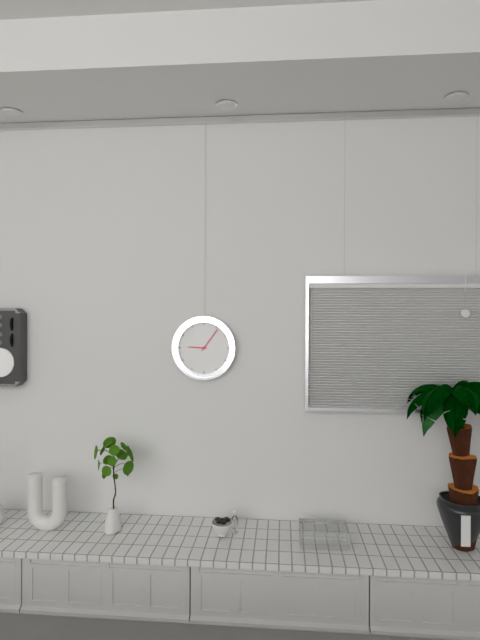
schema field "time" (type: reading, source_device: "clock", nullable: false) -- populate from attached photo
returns 9:06
